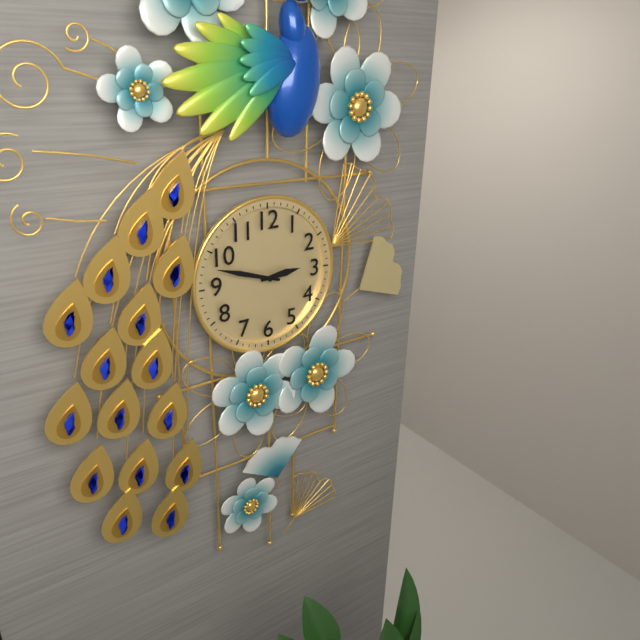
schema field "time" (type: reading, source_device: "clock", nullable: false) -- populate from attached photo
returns 2:48
